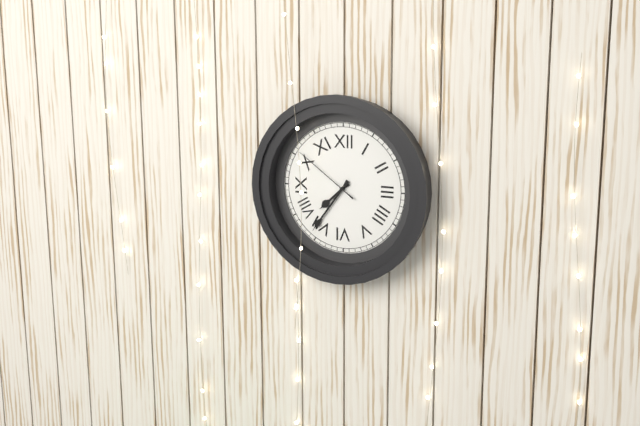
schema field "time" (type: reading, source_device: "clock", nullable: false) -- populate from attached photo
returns 7:36:51
